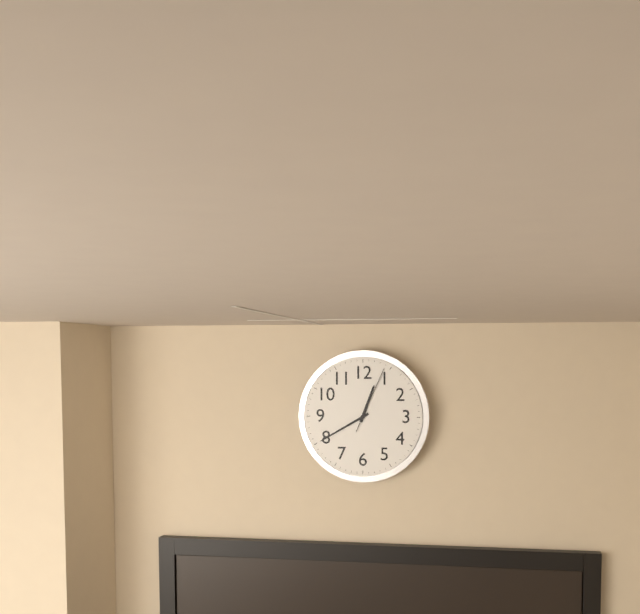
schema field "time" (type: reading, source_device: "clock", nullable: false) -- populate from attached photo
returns 12:40:04
